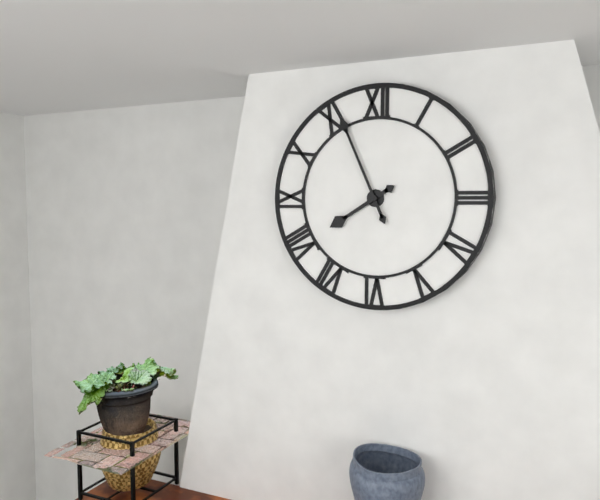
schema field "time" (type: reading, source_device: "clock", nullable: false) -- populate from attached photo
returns 7:56
